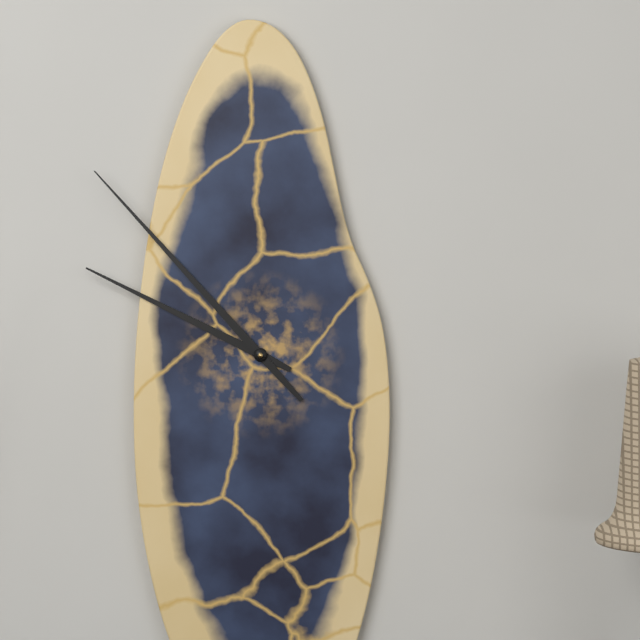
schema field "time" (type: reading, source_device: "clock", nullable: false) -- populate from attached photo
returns 9:53
